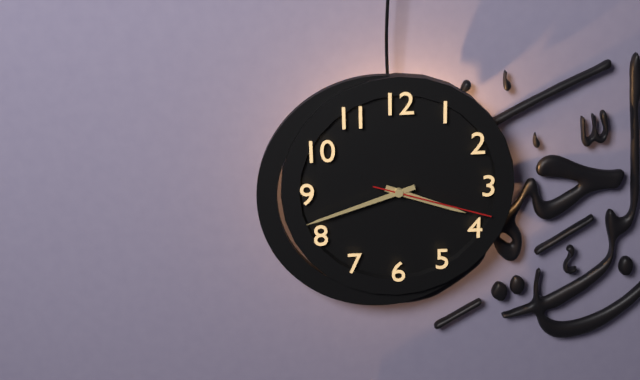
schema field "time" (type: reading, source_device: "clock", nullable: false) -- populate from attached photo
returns 3:42:18
